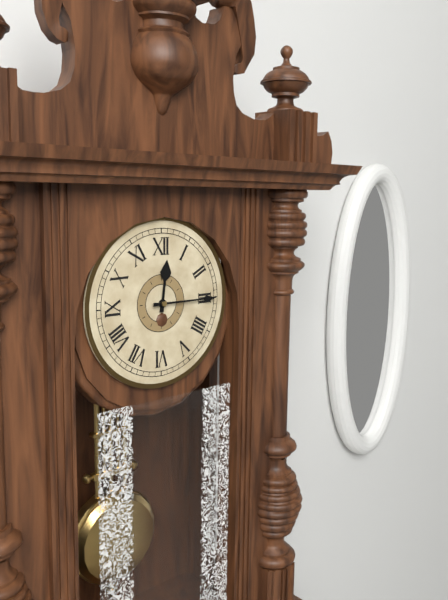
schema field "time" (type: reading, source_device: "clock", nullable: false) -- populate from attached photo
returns 12:15
